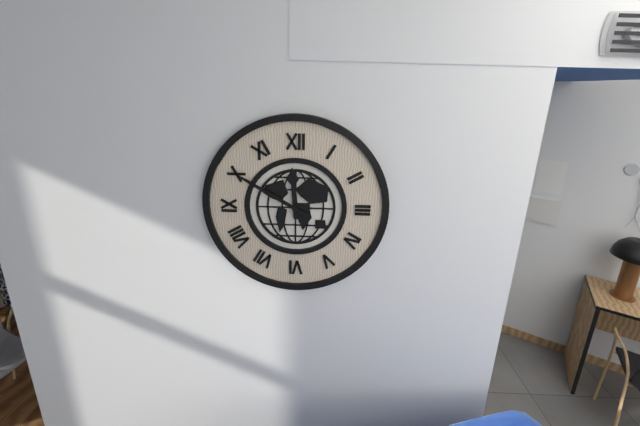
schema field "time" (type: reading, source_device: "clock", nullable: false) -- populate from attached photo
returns 11:50
